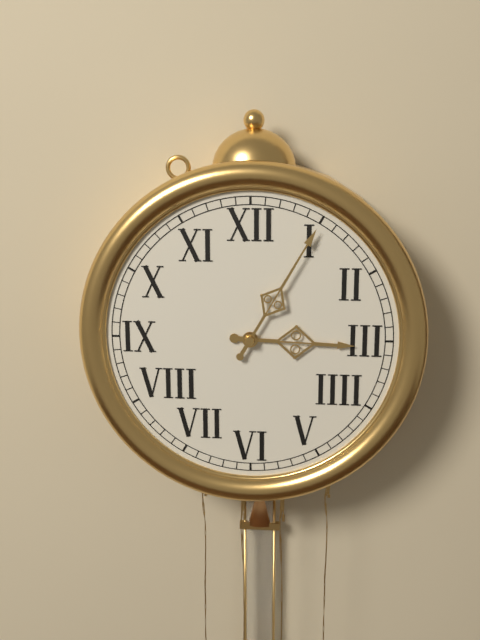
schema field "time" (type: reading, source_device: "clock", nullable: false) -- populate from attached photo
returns 3:05
